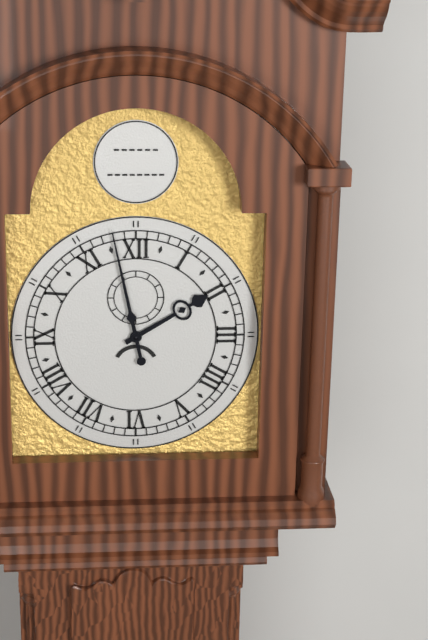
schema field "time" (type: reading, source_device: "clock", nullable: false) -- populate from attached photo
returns 1:58
